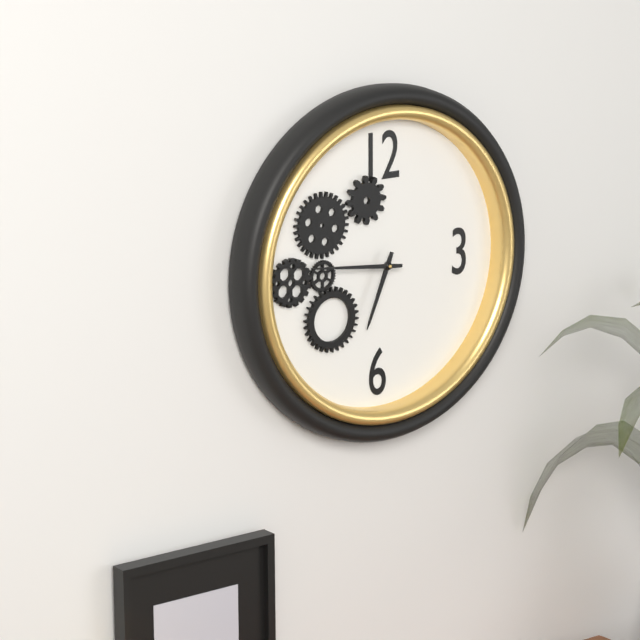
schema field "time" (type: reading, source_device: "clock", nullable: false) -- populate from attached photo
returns 6:46
